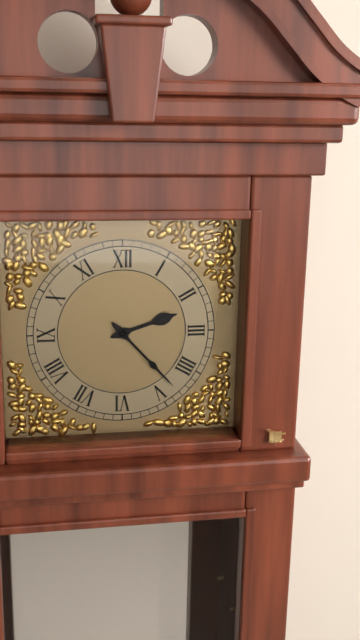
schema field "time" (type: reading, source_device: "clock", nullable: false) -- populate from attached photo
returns 2:23
